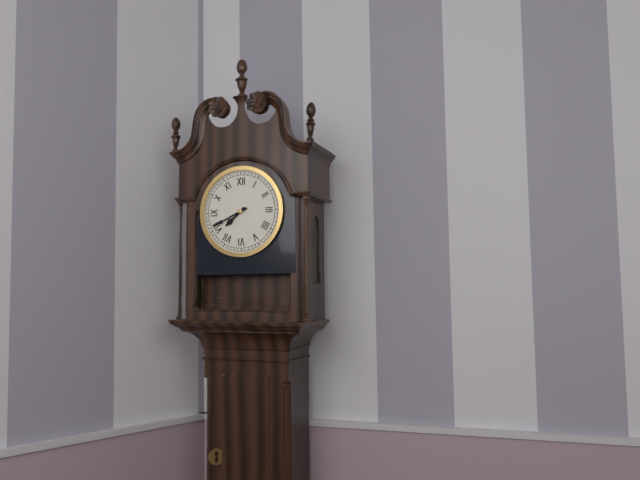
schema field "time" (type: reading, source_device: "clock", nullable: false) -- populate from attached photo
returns 7:41
